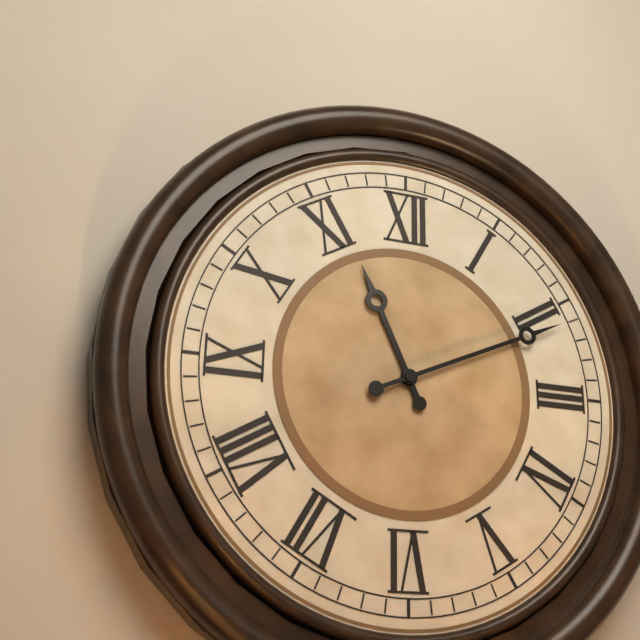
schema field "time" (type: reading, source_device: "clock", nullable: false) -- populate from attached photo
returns 11:11
